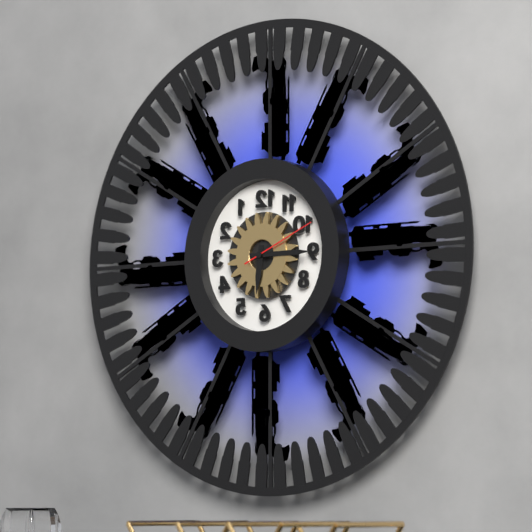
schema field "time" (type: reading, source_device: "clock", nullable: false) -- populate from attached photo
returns 6:15:11
